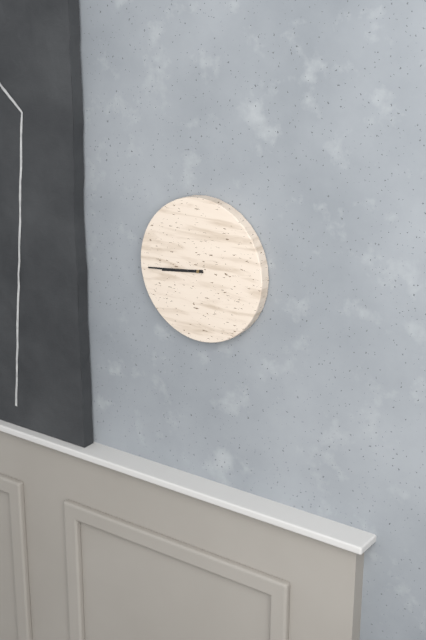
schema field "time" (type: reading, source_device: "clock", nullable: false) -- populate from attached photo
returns 8:44
